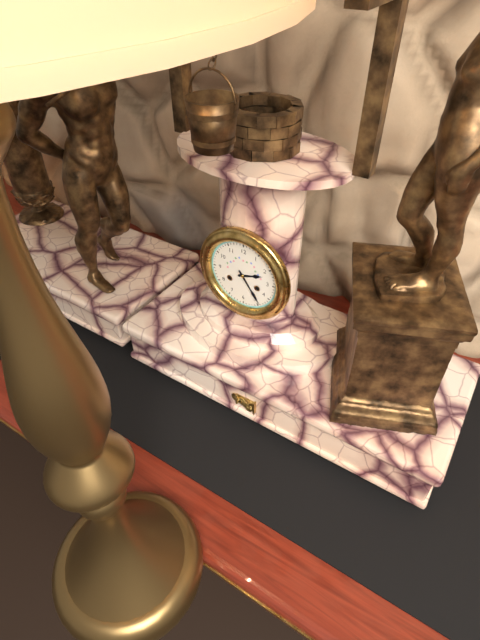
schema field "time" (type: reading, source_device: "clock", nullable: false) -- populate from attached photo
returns 2:24
